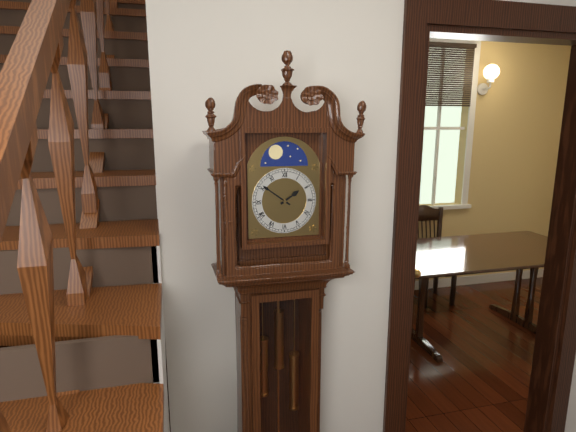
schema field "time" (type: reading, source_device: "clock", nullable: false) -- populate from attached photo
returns 1:51
